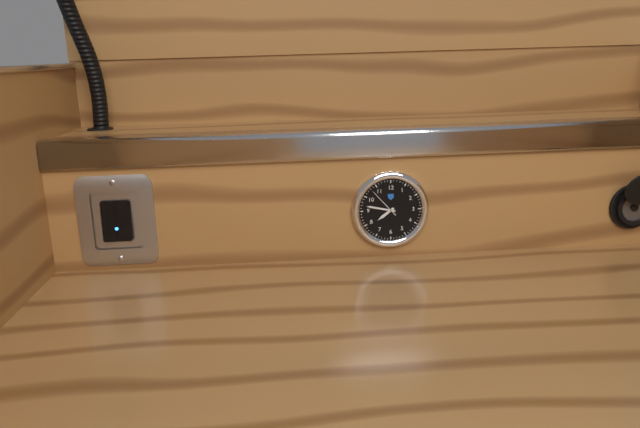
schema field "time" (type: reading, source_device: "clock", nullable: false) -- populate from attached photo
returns 7:47
